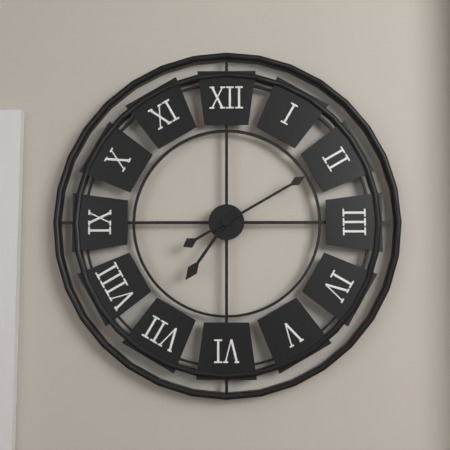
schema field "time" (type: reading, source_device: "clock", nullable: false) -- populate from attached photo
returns 7:10
